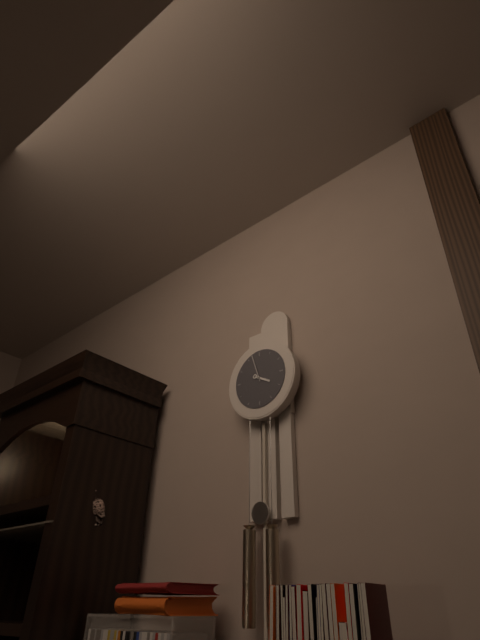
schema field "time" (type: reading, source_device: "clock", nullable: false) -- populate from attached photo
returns 3:57
